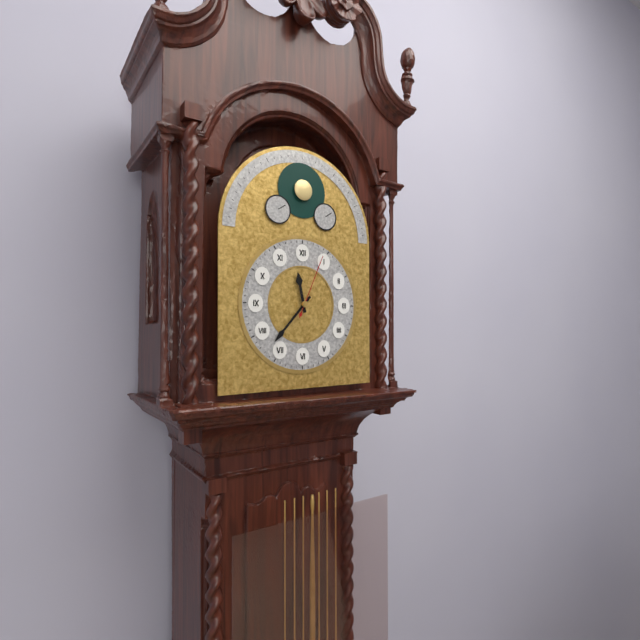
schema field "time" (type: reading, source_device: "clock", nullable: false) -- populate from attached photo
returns 11:37:04
